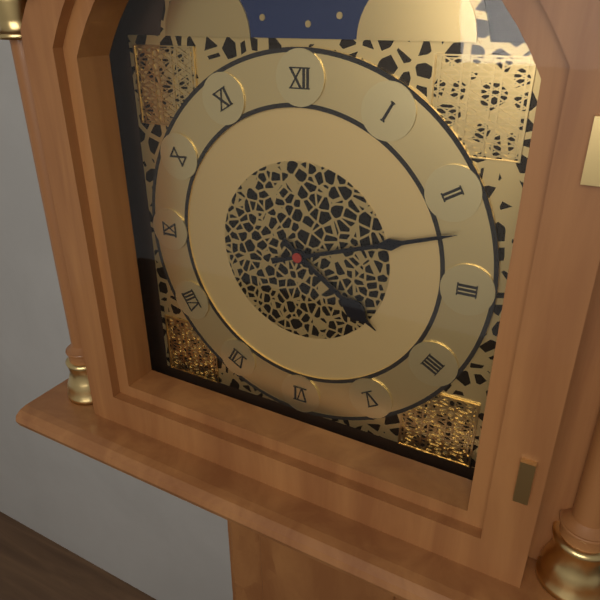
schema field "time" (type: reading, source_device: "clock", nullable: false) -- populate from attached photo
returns 4:12
